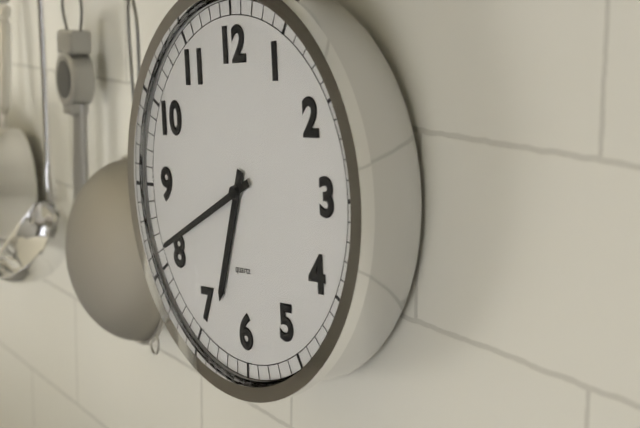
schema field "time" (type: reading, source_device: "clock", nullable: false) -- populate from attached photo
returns 6:41
